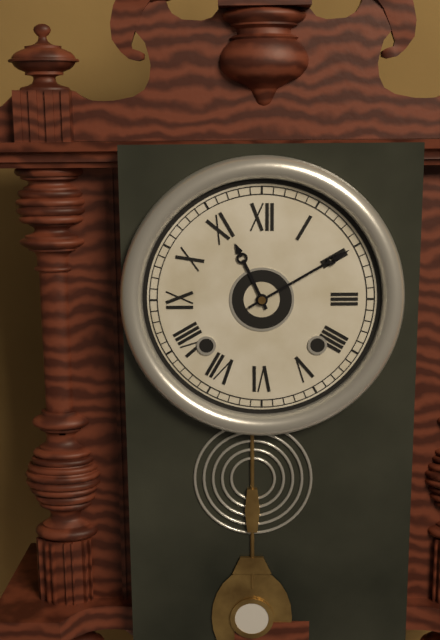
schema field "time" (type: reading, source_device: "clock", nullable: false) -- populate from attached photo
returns 11:10
